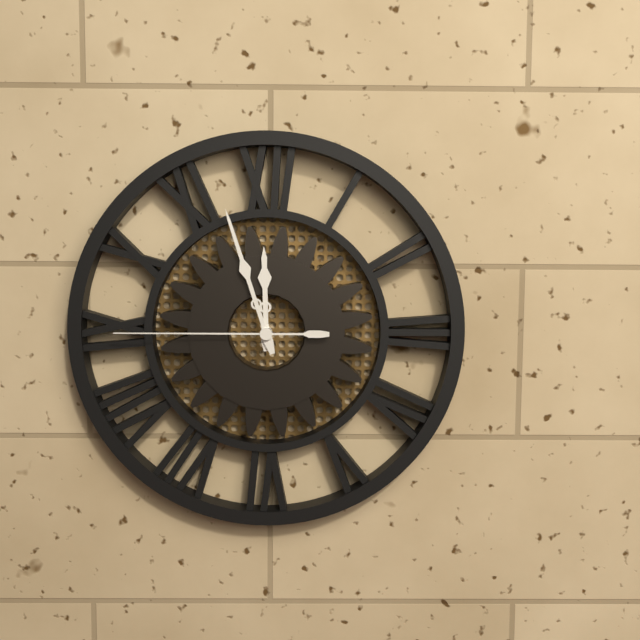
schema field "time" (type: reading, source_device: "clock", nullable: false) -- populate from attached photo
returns 11:57:45
